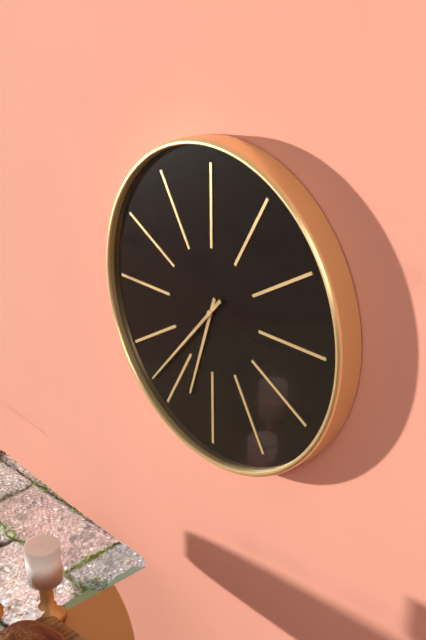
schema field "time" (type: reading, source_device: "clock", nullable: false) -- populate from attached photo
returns 6:37
